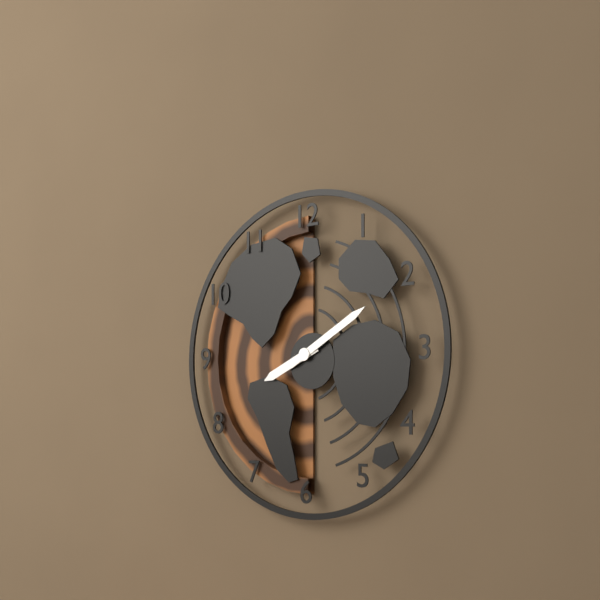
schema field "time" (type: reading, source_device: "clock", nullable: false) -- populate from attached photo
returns 8:10
